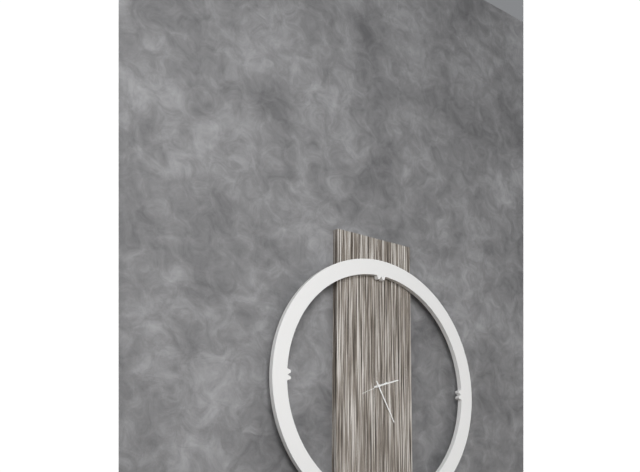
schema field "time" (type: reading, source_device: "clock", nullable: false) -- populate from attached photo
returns 2:25
